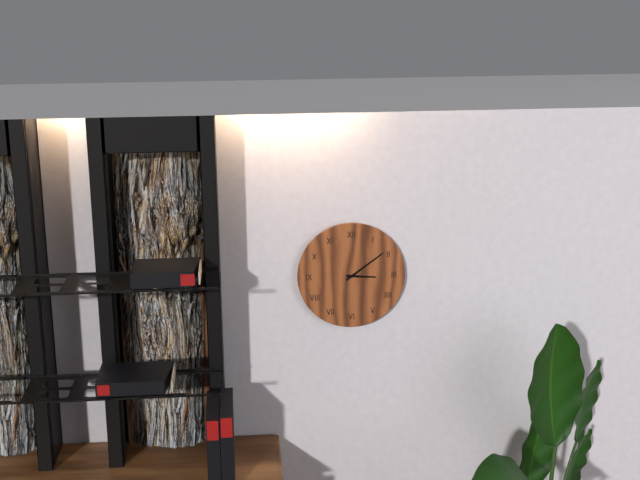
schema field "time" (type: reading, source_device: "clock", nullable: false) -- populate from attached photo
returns 3:09
